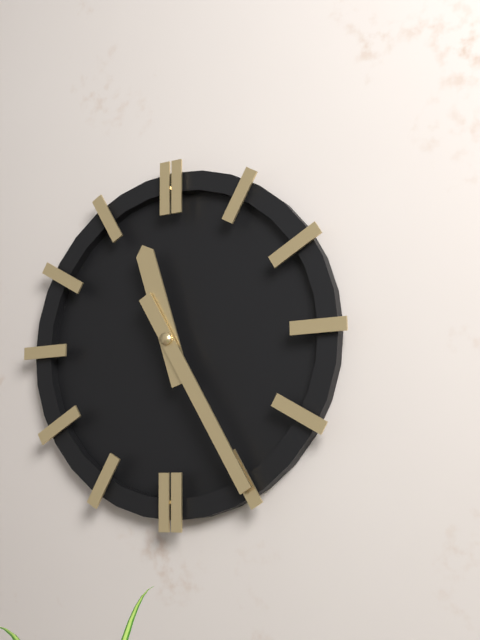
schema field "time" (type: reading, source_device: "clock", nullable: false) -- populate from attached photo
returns 11:25
